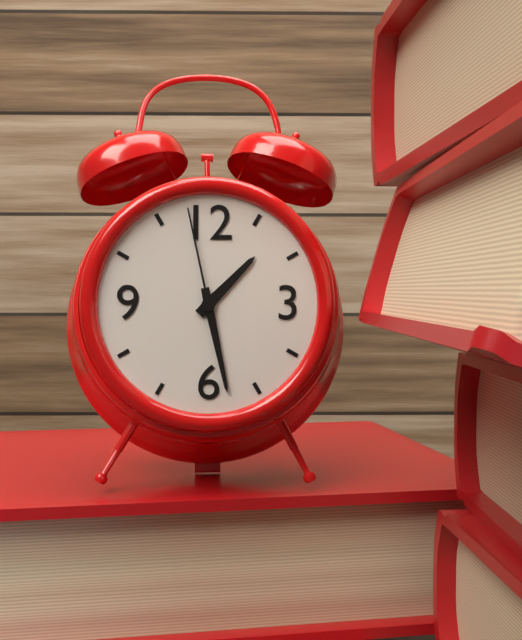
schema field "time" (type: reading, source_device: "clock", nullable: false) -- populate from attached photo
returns 1:28:58
